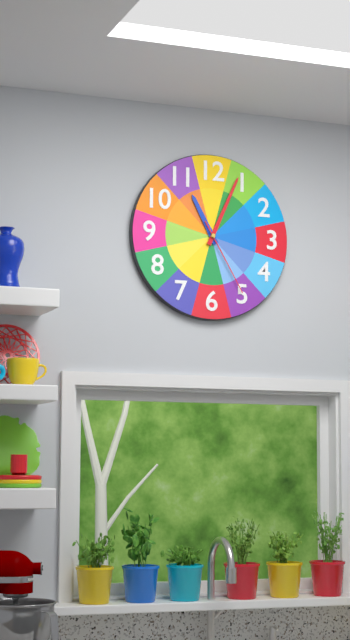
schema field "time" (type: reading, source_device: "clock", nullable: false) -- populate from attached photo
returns 11:04:25
